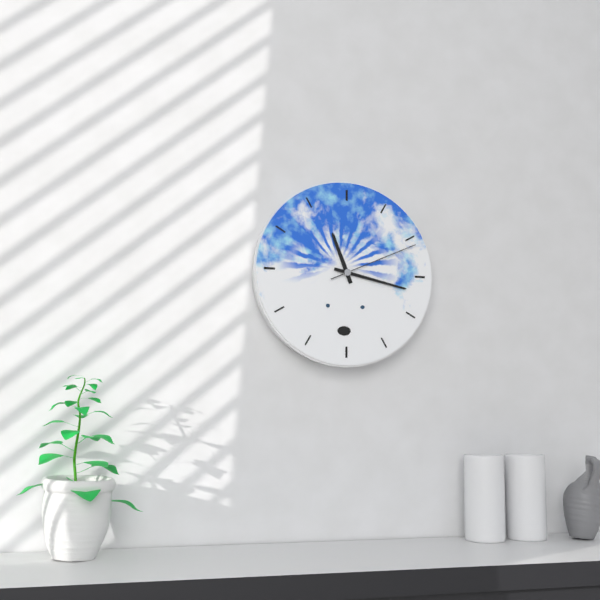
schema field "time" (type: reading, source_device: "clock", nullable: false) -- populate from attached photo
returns 11:17:11
